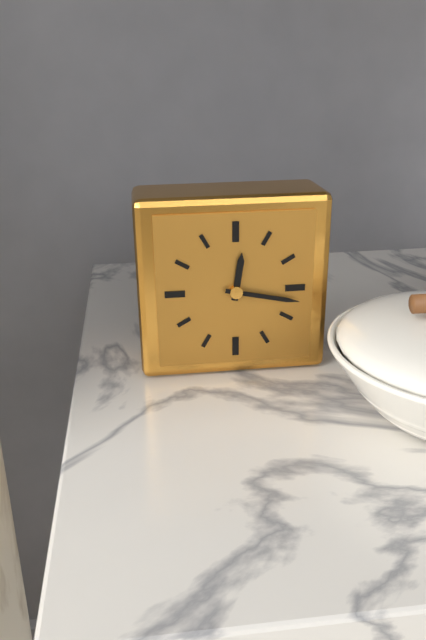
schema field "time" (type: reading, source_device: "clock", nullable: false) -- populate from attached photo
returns 12:17
